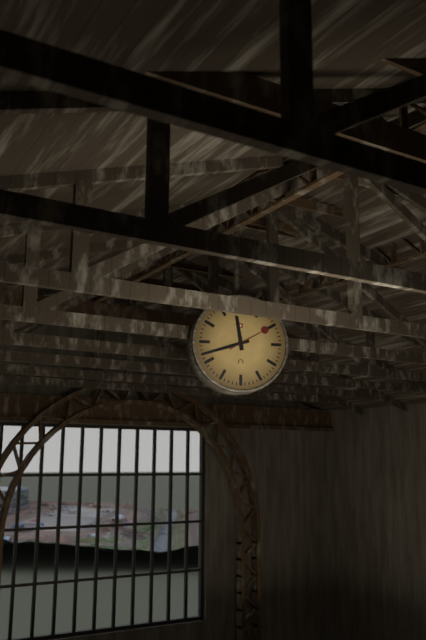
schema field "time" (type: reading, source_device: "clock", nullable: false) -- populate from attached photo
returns 11:42
